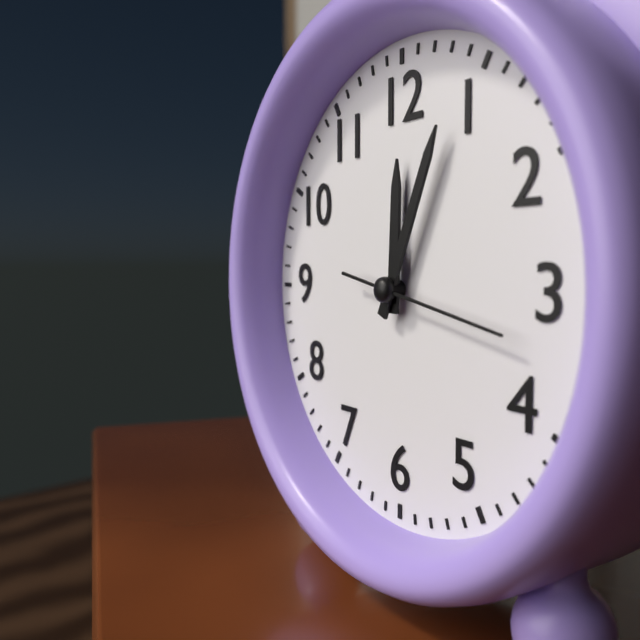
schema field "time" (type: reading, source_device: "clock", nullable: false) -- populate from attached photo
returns 12:04:17
